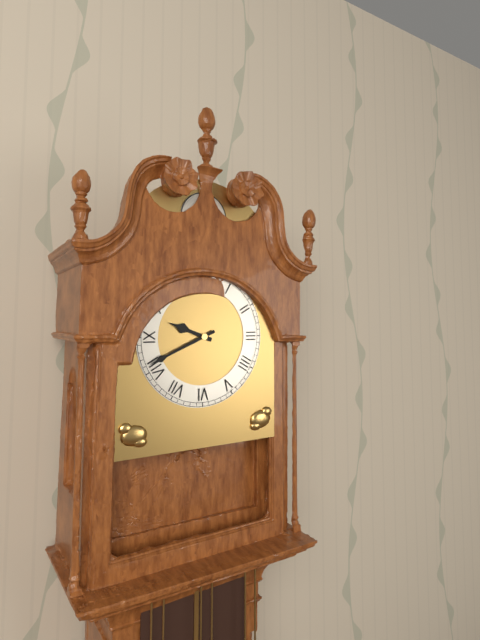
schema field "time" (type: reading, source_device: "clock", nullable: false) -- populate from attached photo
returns 9:41
